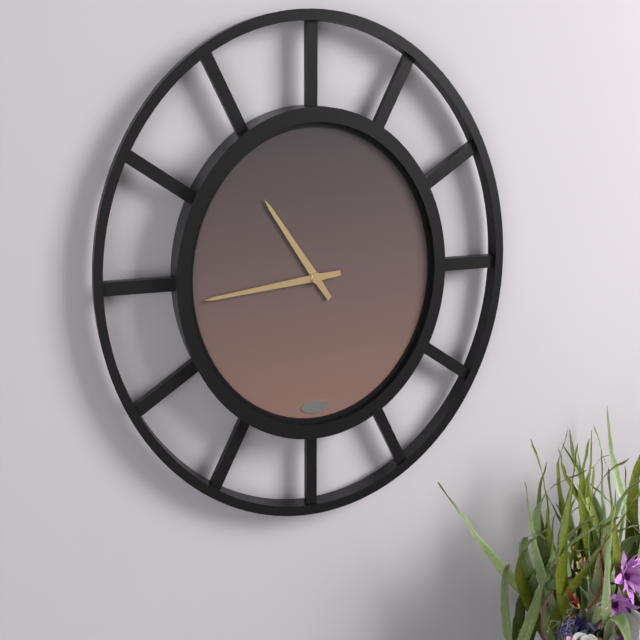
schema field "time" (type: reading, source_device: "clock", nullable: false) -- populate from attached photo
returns 10:44
